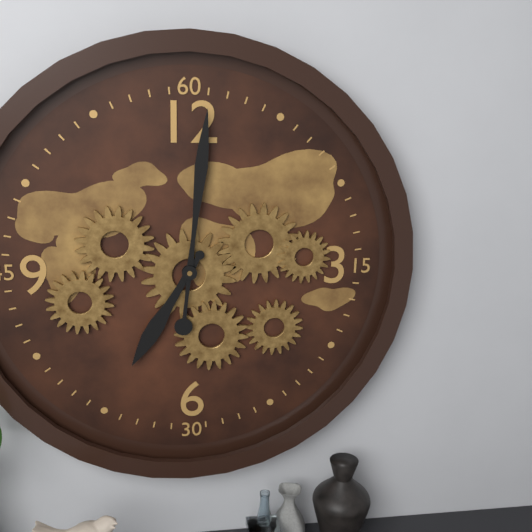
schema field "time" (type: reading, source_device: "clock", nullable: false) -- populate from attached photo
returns 7:01
